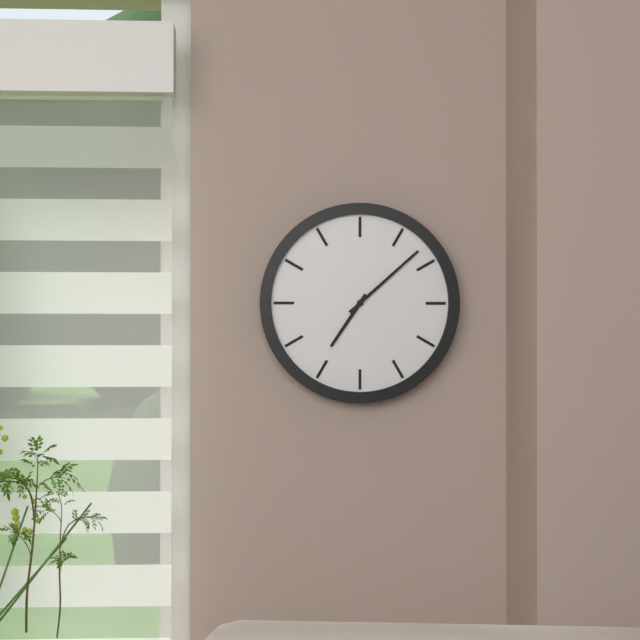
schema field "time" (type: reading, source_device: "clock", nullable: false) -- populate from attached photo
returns 7:08
